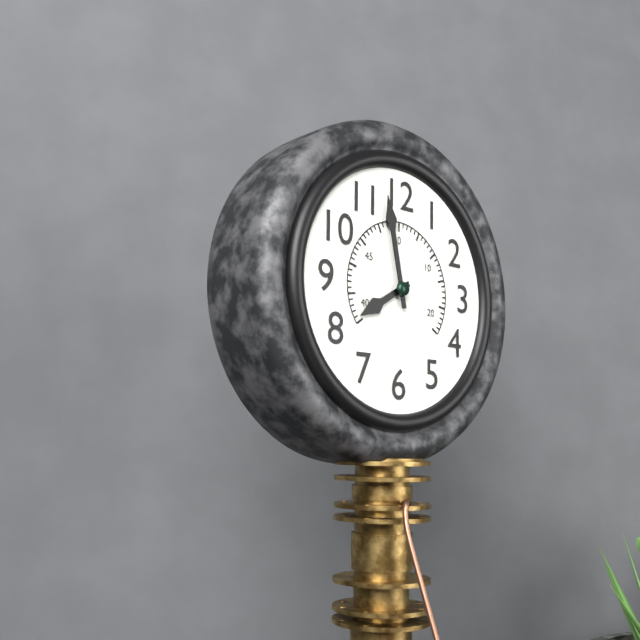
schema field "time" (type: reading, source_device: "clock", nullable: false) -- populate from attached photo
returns 7:58
